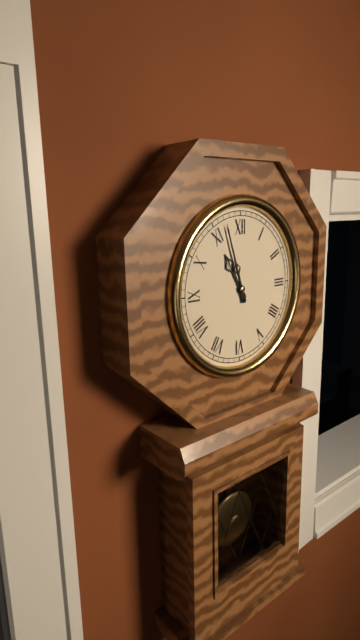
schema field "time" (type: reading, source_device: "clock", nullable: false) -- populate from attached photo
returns 10:57
